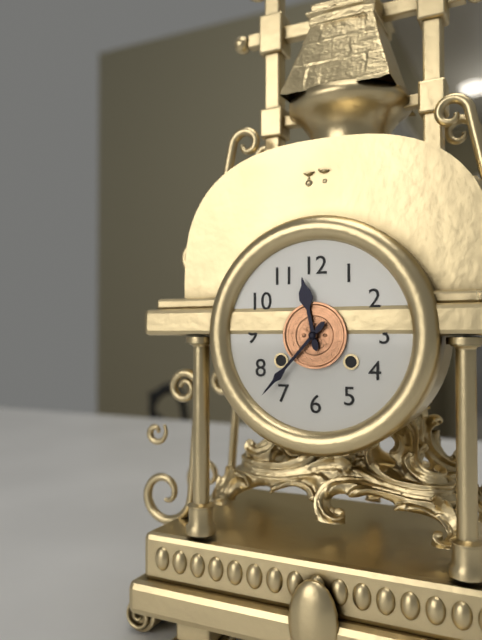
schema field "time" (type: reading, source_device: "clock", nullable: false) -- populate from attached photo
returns 11:37
